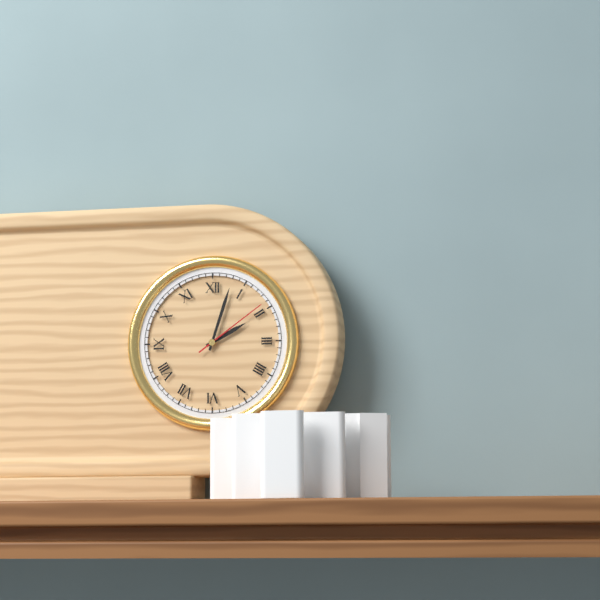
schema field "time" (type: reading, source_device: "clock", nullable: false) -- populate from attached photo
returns 2:03:09
